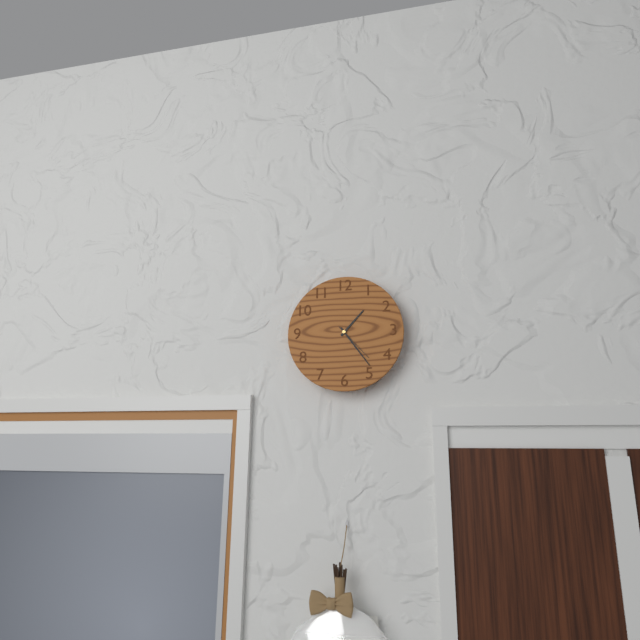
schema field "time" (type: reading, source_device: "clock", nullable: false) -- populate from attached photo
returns 1:24
